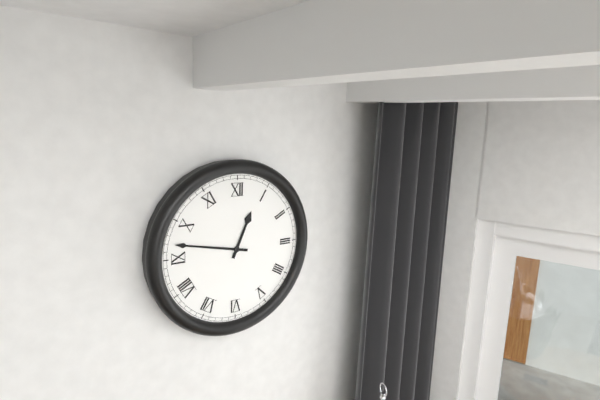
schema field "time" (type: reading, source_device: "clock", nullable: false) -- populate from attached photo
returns 12:47
